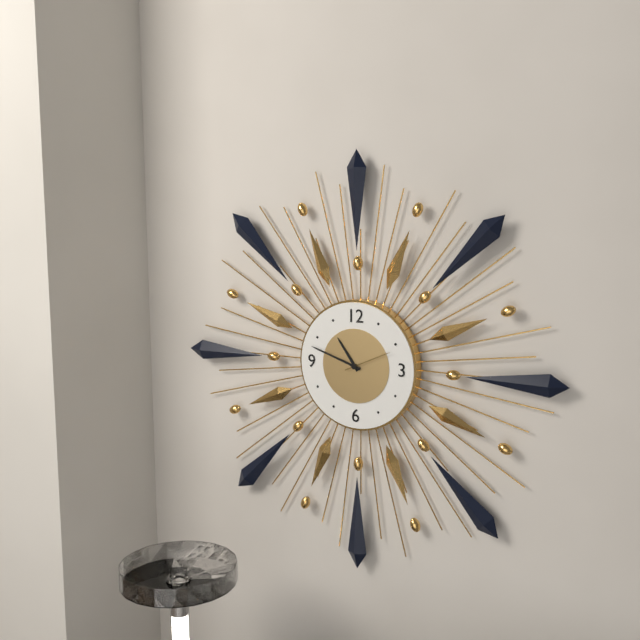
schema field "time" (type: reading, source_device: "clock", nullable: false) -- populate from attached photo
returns 10:48
